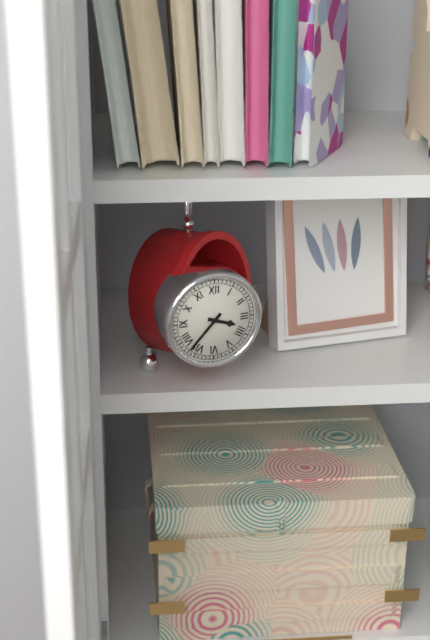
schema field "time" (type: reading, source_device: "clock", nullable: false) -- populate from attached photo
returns 3:37
